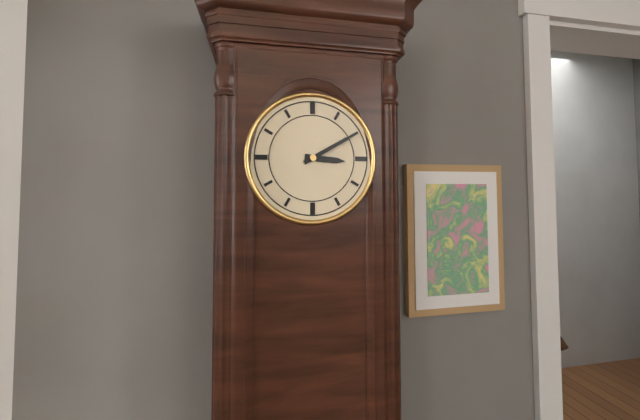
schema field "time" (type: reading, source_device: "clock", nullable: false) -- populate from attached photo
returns 3:10
